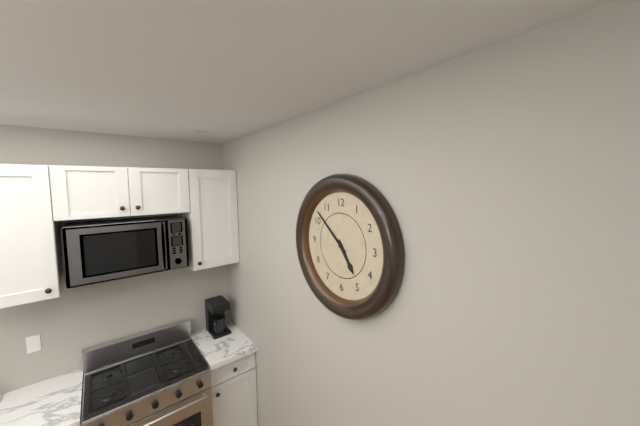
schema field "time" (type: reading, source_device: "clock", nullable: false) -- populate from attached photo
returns 4:52
